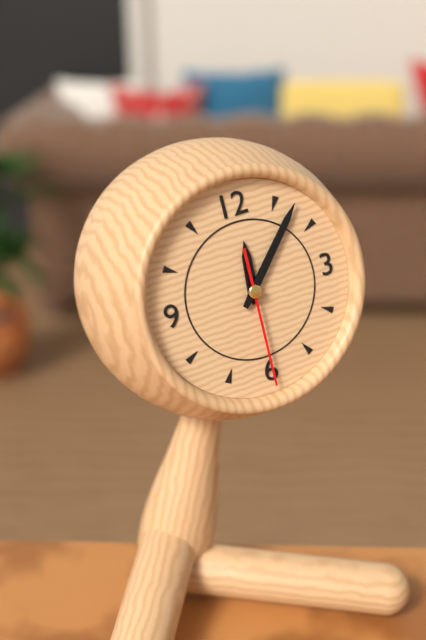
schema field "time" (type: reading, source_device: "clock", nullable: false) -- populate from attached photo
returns 12:07:30
